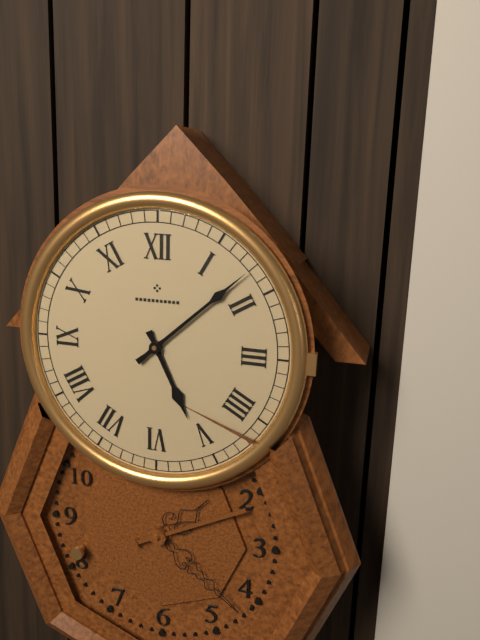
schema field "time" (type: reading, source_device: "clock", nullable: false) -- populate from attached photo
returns 5:08
